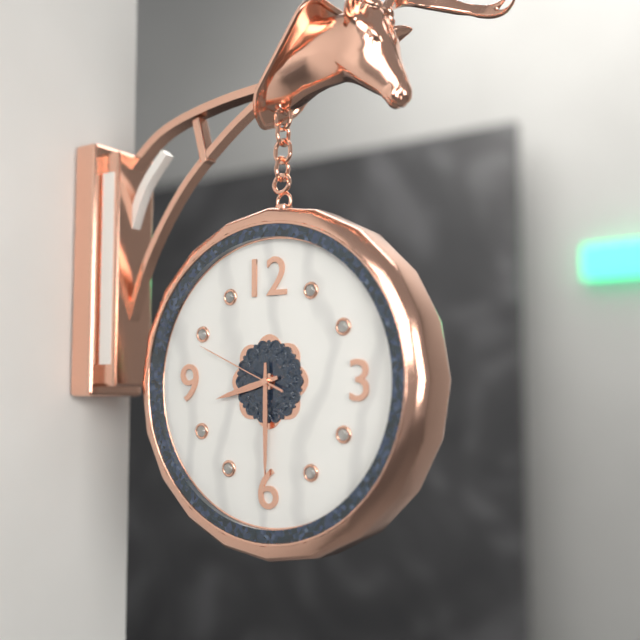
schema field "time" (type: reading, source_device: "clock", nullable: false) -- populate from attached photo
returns 8:30:49
